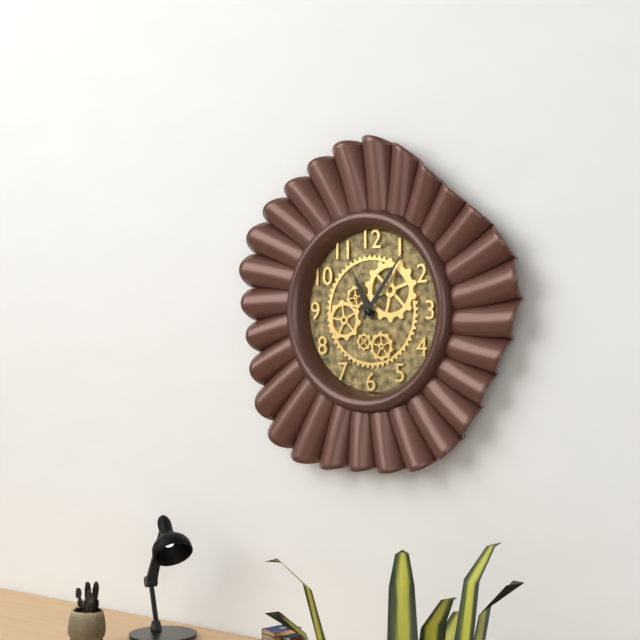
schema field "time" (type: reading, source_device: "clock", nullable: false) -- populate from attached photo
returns 11:06
